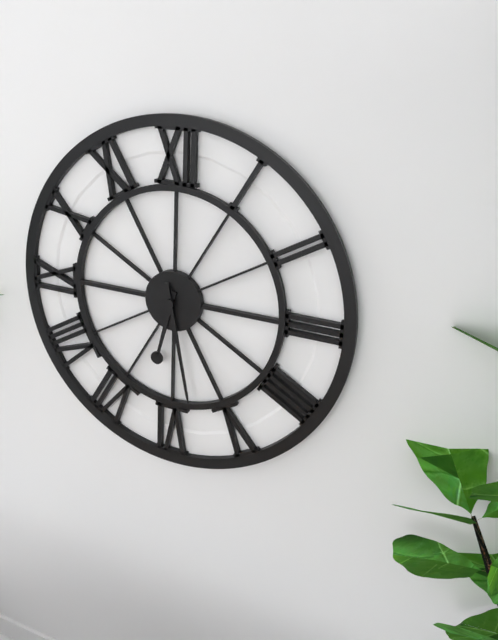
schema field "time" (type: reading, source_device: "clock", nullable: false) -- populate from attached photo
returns 6:28
